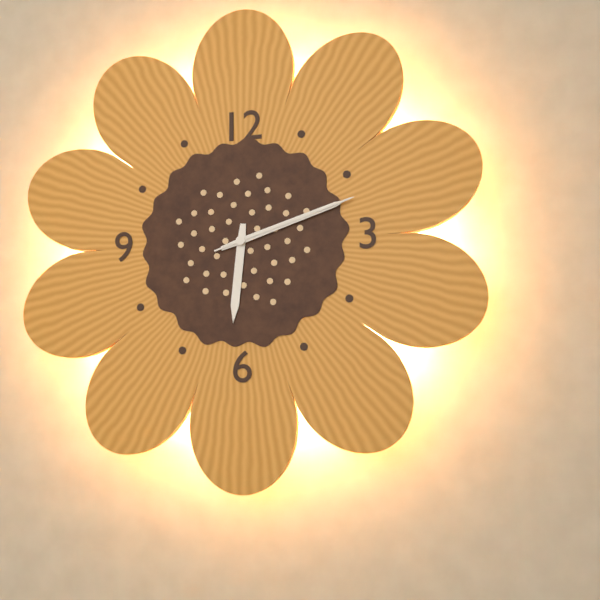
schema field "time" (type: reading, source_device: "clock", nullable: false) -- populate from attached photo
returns 6:12:12
